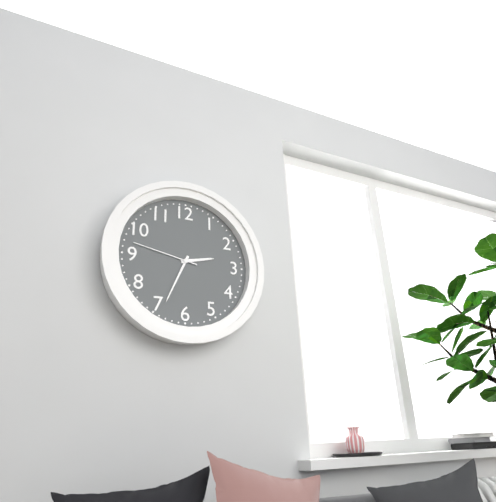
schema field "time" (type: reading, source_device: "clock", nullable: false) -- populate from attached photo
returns 2:34:47
